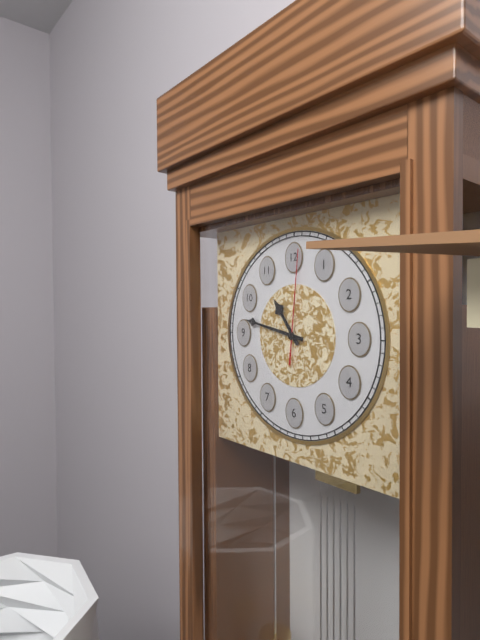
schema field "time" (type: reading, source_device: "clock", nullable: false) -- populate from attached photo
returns 10:47:01
